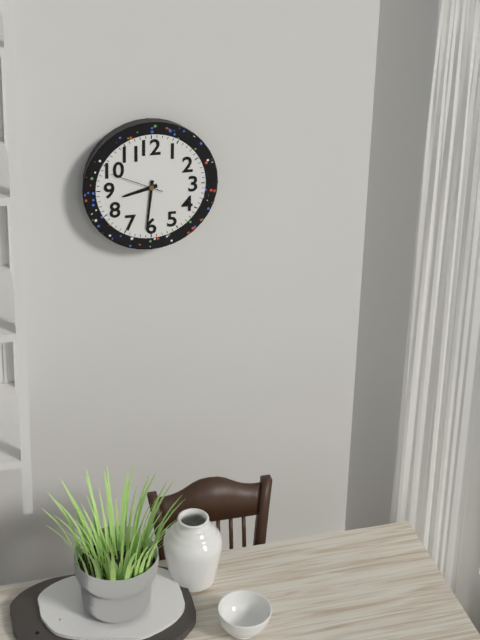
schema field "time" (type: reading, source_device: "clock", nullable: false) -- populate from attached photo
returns 8:31:49
